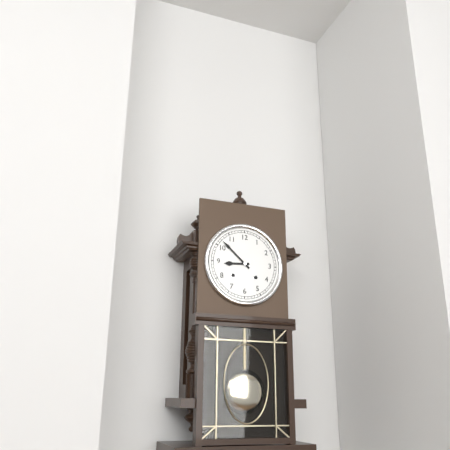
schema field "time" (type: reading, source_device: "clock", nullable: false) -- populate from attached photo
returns 8:52
